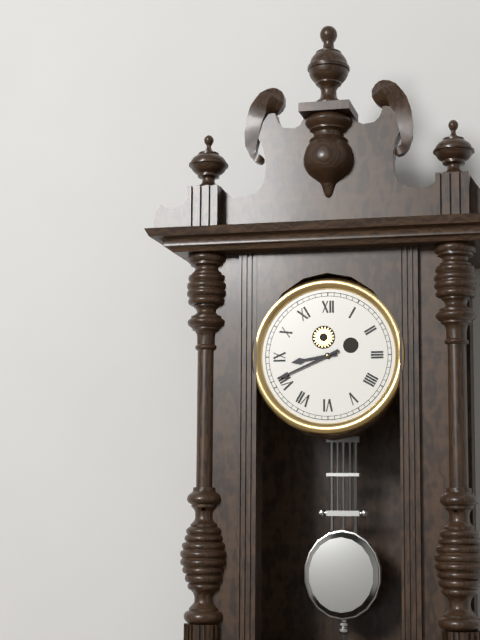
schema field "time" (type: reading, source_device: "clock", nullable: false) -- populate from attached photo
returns 8:41
